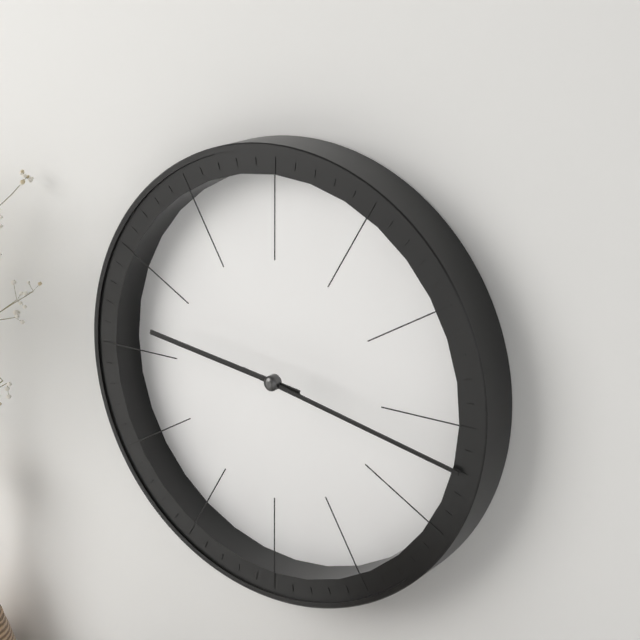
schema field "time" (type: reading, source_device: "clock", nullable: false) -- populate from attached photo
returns 9:17
